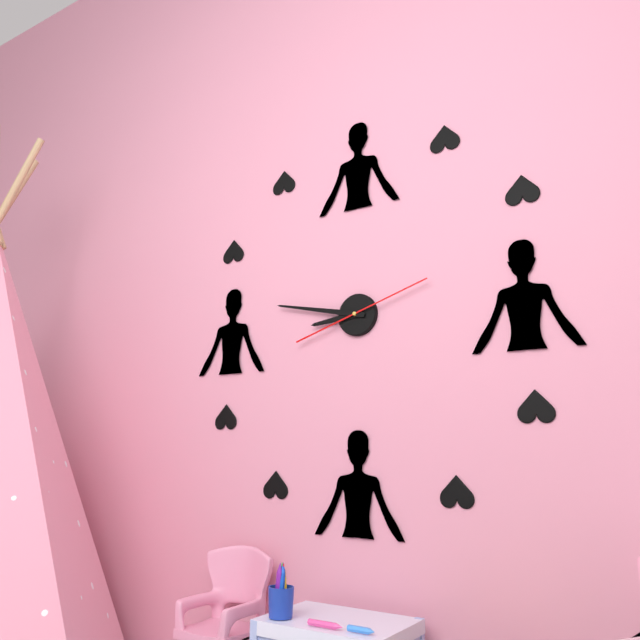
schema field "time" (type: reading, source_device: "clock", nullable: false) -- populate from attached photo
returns 8:47:12
